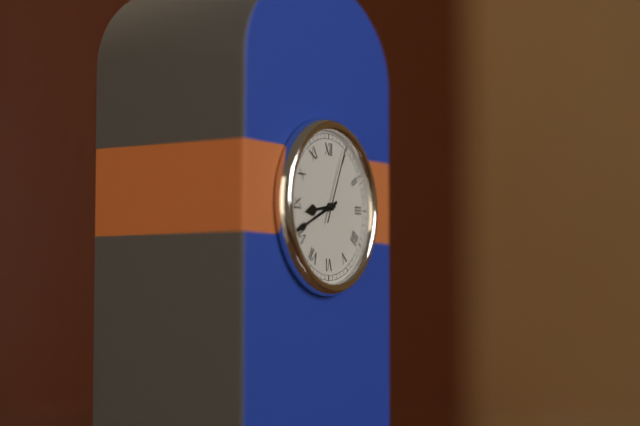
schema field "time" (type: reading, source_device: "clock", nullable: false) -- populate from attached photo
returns 8:41:04
